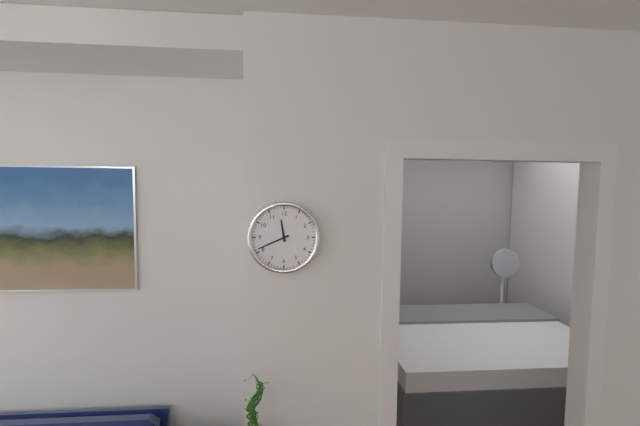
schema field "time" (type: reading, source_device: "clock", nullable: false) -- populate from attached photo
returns 11:41
